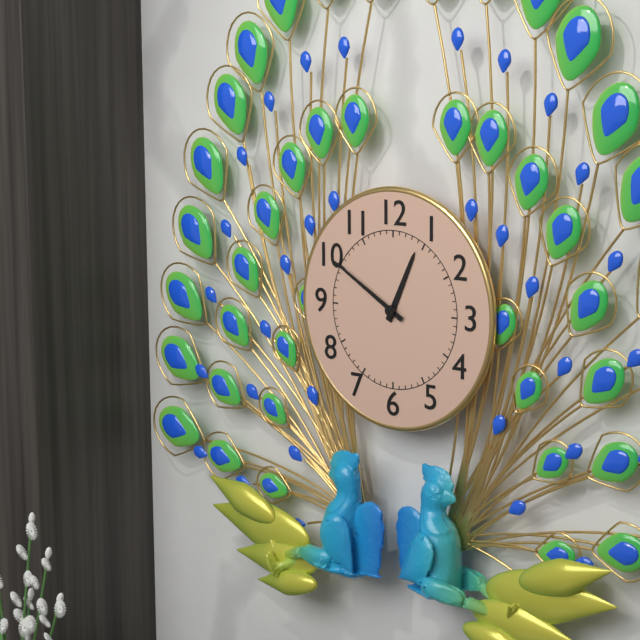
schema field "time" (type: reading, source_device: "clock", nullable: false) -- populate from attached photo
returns 12:50
